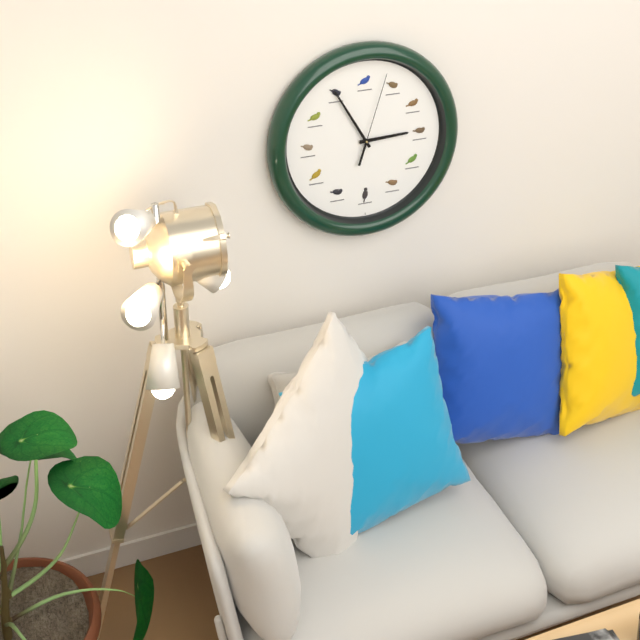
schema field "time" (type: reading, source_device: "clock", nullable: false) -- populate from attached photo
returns 2:55:03
